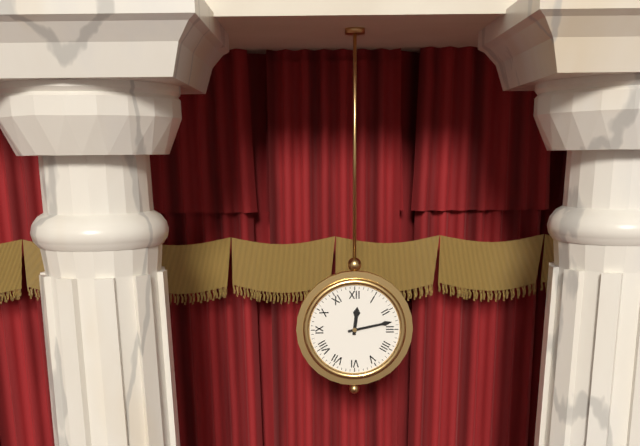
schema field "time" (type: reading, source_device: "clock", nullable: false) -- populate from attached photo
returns 12:13
